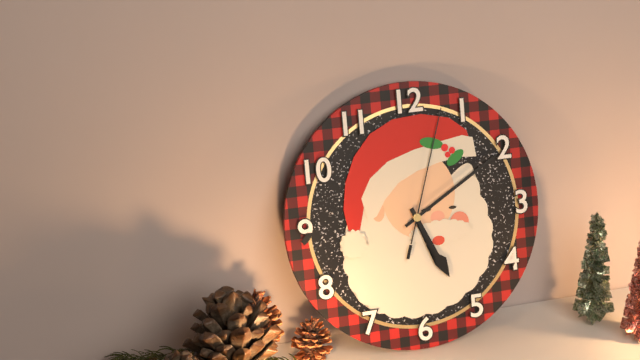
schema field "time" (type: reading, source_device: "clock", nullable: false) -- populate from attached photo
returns 5:10:03
